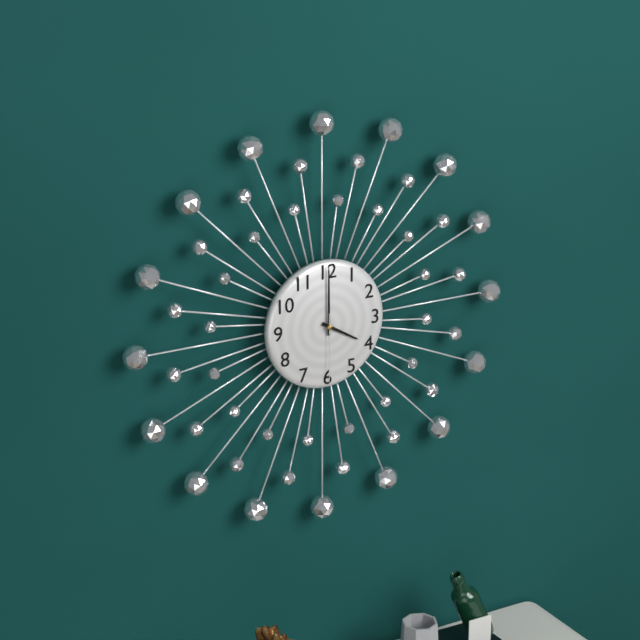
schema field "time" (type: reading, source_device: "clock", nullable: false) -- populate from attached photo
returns 4:00:30
